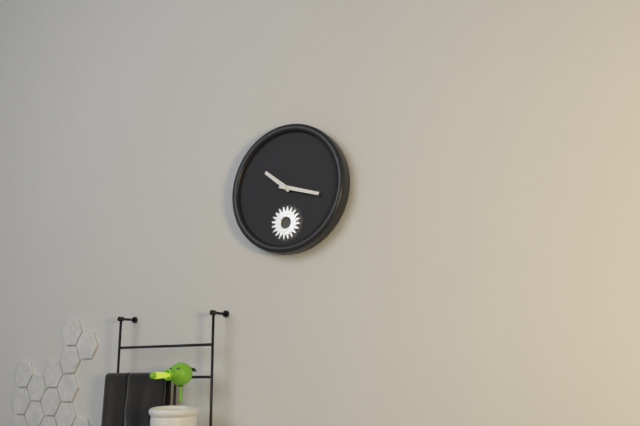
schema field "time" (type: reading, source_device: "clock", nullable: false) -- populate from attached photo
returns 10:18
